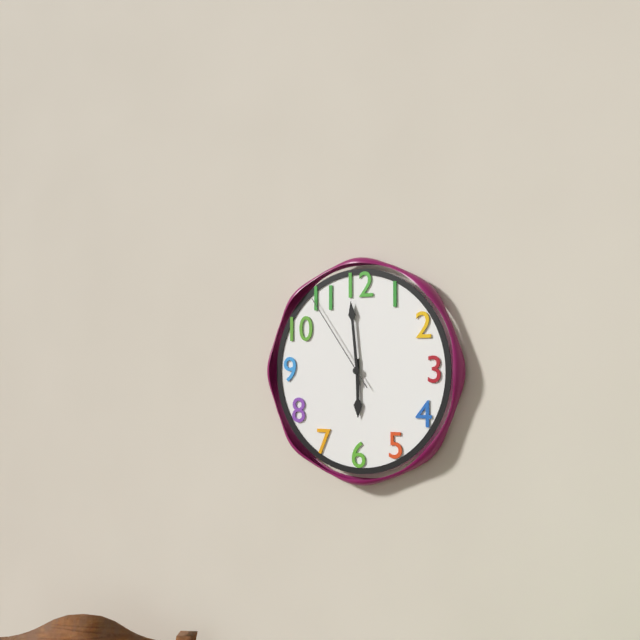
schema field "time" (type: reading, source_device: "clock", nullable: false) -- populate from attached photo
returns 5:59:54
